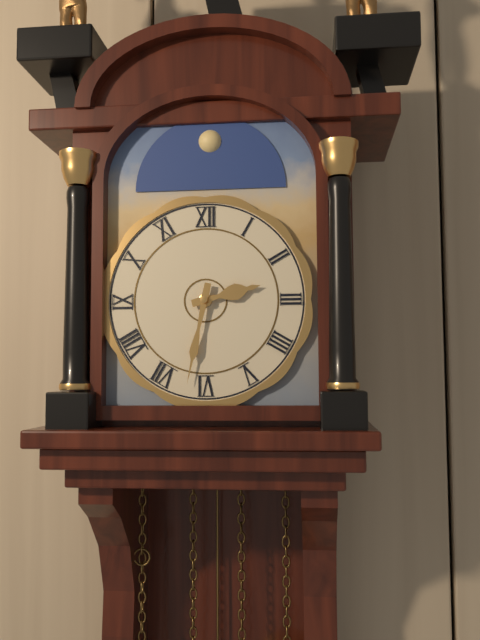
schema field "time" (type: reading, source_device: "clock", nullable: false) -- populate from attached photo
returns 2:32
